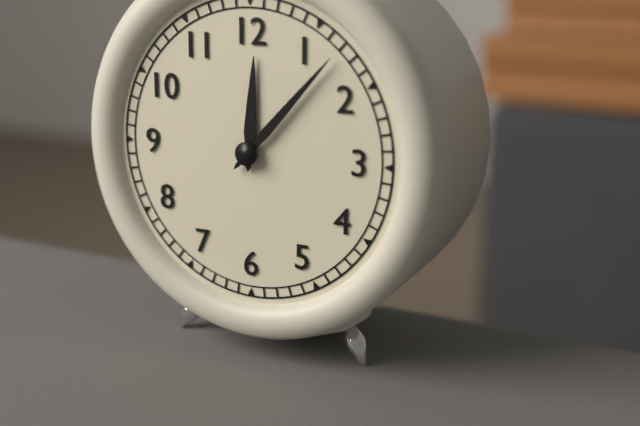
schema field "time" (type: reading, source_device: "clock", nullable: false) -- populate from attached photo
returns 12:07
